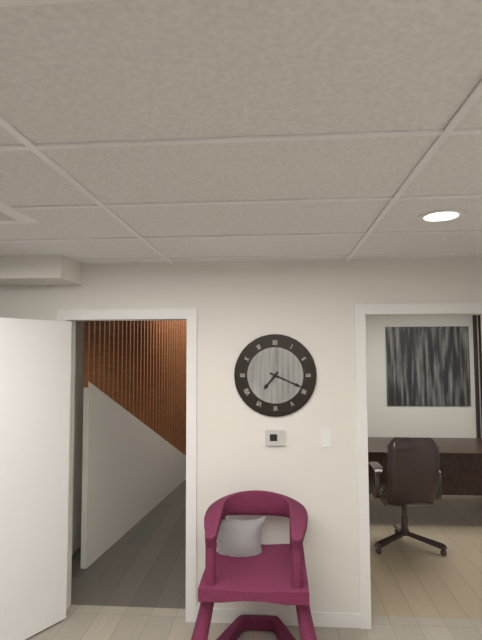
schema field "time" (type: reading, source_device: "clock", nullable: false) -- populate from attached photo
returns 7:19
